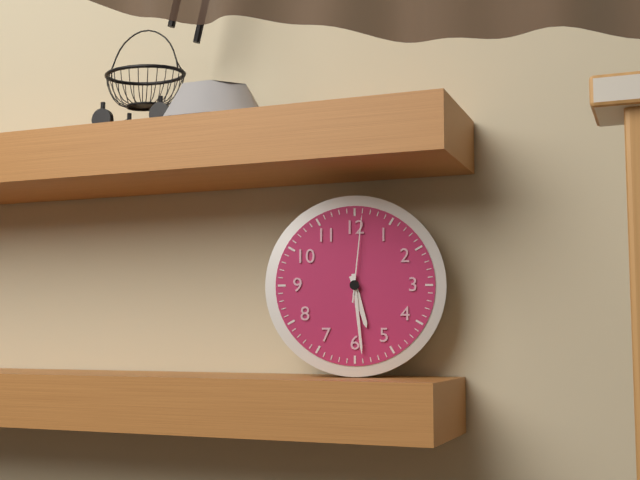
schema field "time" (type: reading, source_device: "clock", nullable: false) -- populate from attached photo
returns 5:29:01
